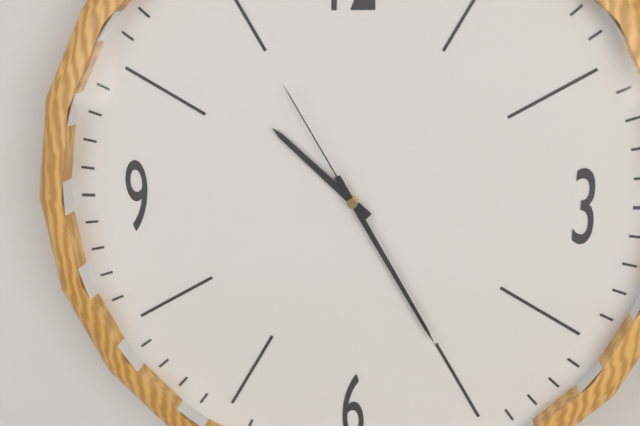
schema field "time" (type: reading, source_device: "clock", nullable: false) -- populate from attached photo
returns 10:25:55
